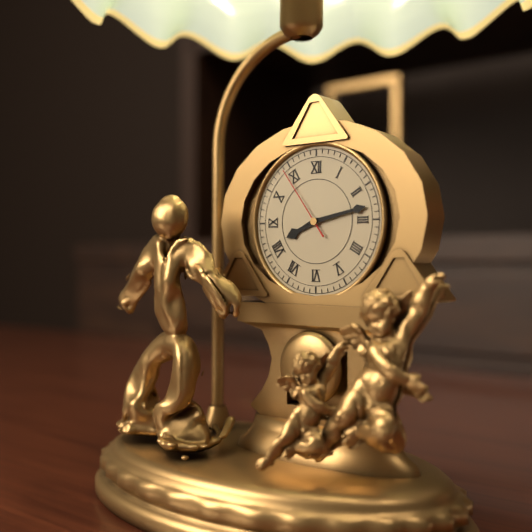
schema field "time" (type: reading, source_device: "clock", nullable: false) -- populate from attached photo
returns 8:13:54
